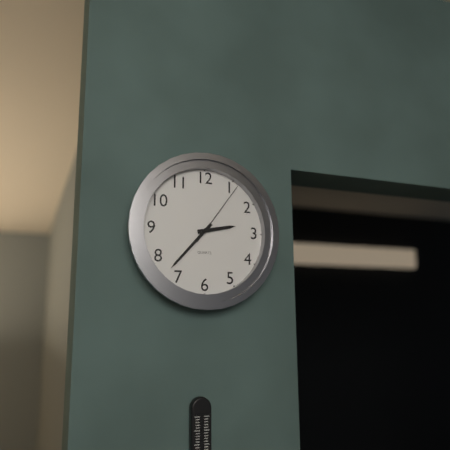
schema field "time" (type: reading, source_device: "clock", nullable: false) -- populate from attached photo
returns 2:37:06
